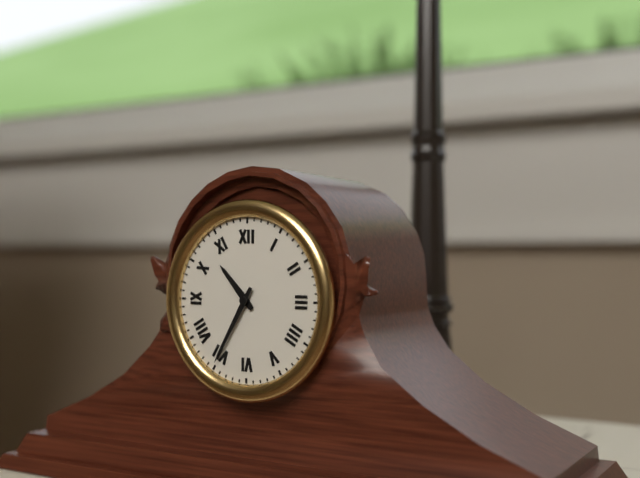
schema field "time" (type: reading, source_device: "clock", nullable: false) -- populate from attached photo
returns 10:35
